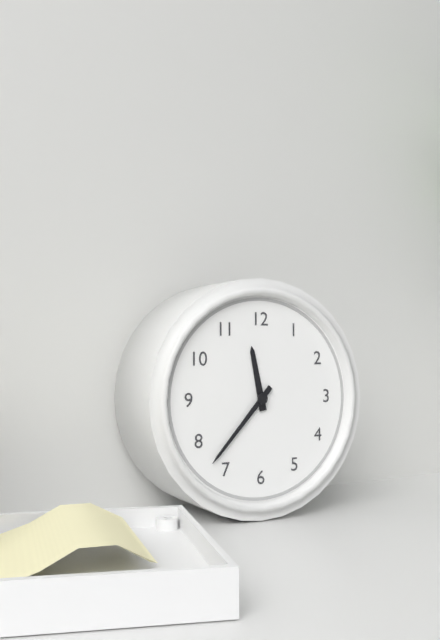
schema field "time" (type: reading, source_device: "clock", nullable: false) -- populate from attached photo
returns 11:37
